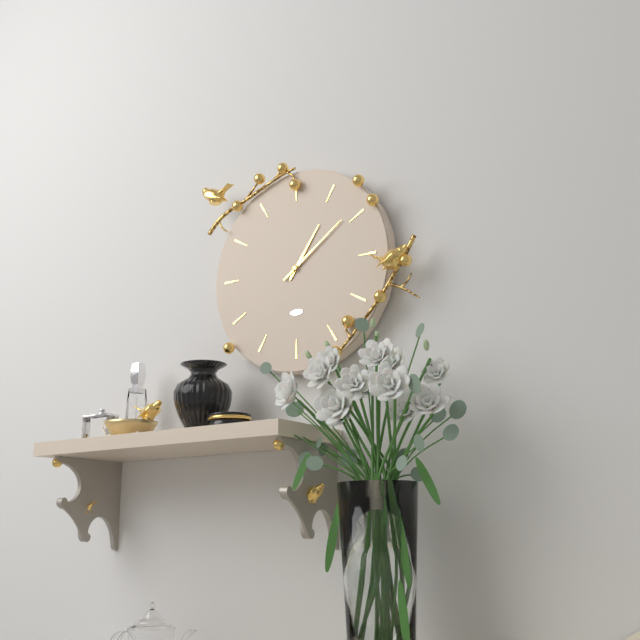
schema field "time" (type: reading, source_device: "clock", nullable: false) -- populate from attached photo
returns 1:09
